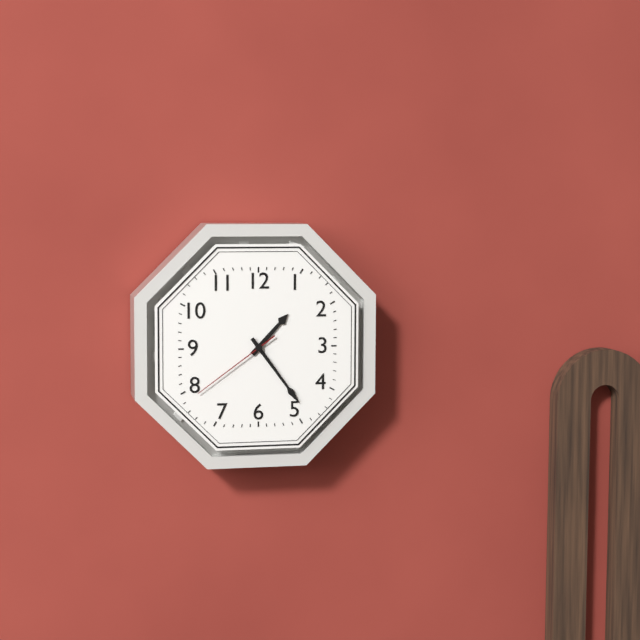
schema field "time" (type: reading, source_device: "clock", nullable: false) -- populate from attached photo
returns 1:24:39
